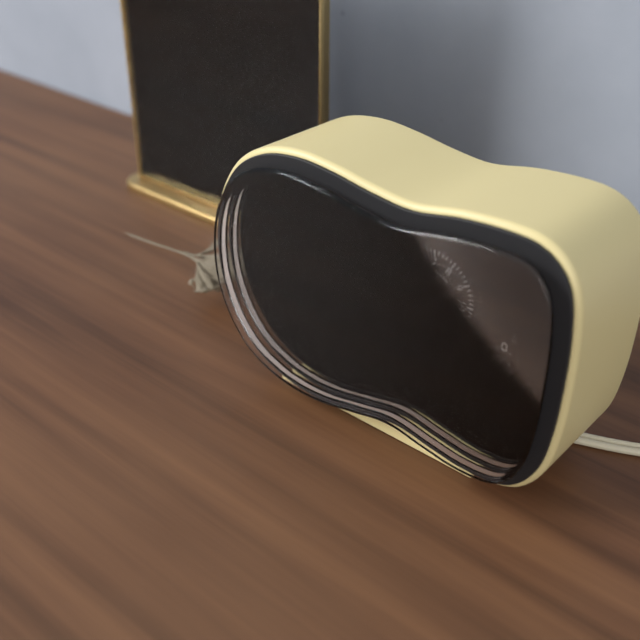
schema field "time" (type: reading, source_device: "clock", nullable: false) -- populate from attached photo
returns 6:25:44
